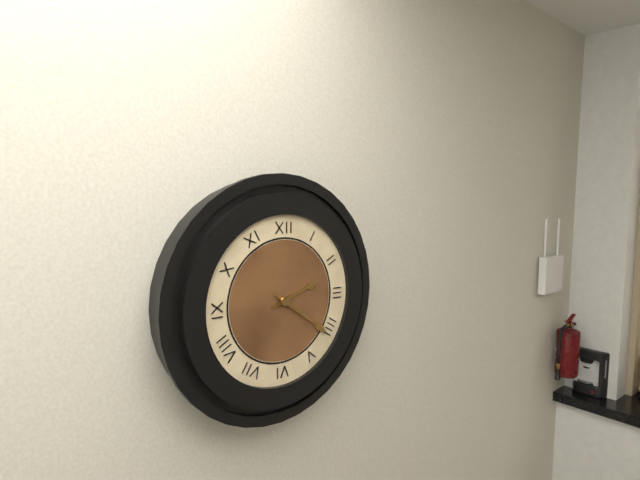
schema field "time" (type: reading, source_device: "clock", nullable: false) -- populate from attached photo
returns 2:21
